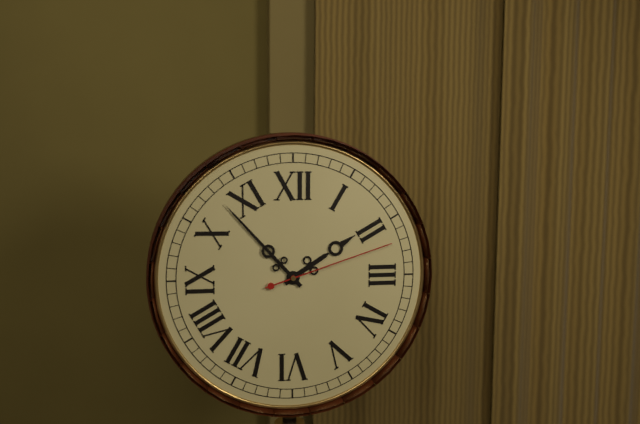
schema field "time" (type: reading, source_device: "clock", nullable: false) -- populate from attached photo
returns 1:53:12
